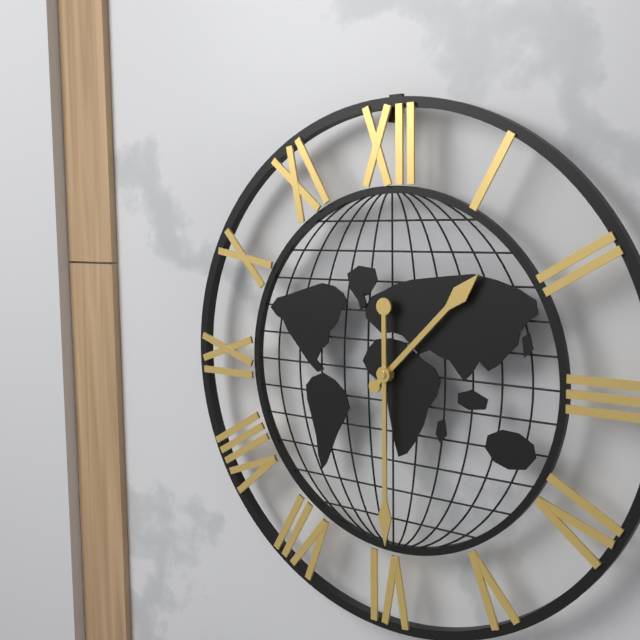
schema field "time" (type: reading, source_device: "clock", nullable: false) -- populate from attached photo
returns 1:30
